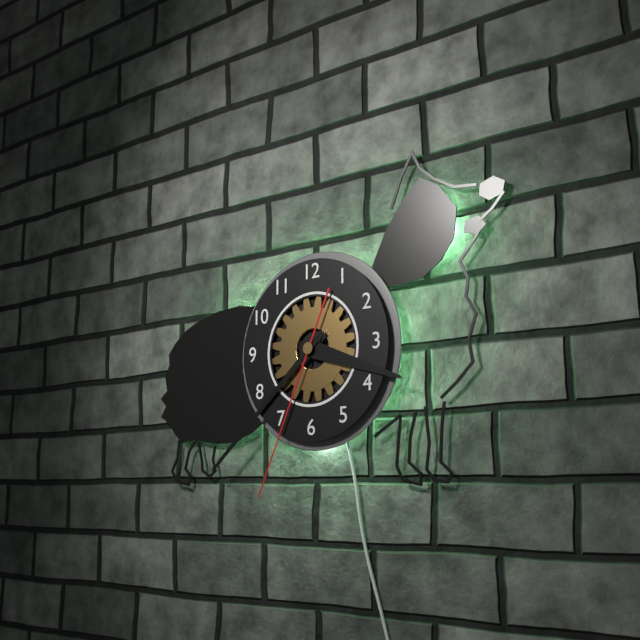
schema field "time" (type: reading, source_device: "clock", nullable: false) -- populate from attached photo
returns 3:38:34
